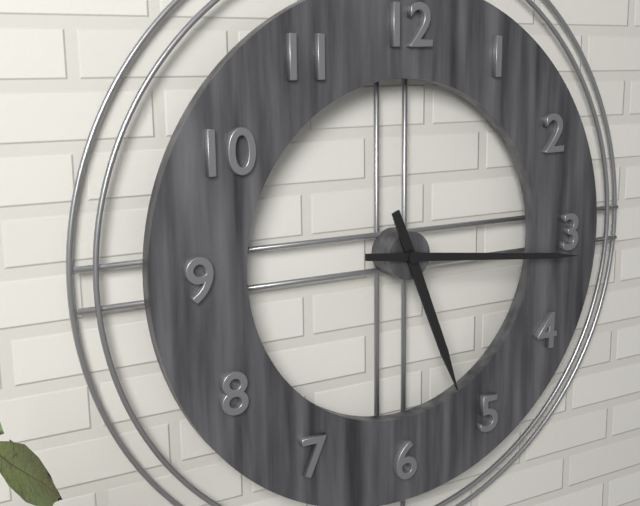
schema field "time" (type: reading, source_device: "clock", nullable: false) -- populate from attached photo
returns 5:16
